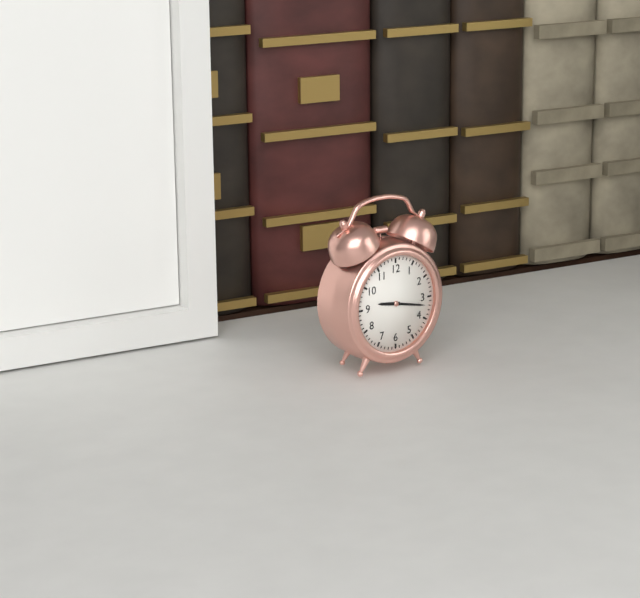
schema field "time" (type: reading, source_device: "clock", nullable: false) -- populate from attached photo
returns 9:17
